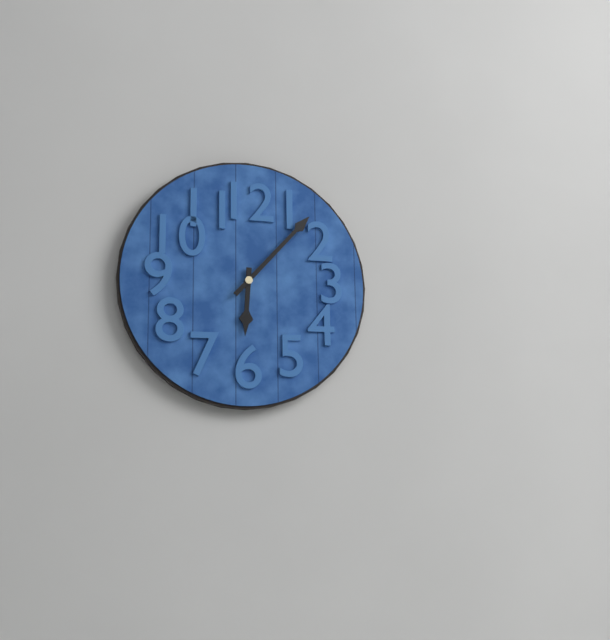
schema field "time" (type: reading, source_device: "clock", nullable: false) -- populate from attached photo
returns 6:07
